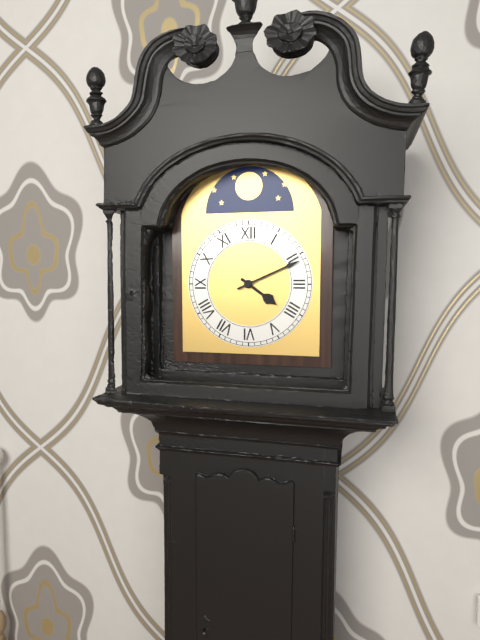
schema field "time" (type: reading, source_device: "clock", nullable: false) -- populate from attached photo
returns 4:11
